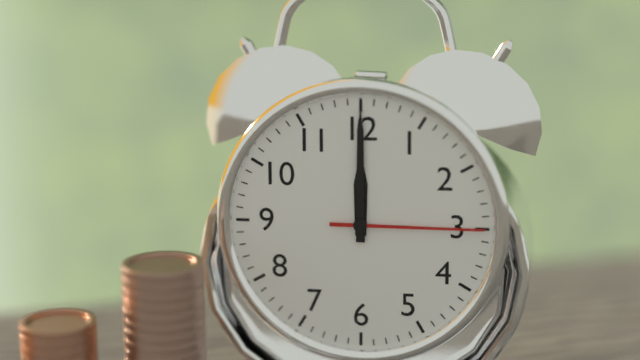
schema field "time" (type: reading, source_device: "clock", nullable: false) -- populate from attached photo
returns 12:00:15
